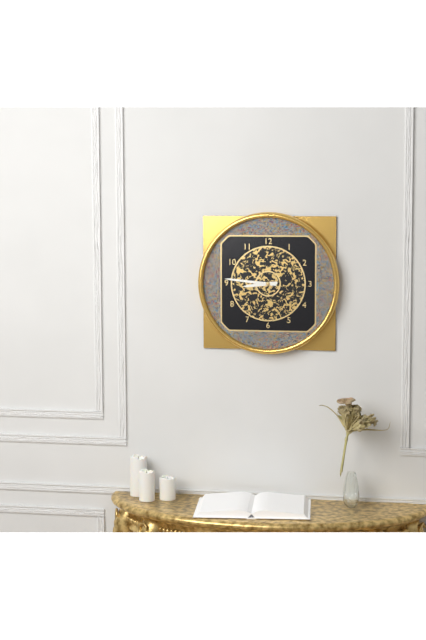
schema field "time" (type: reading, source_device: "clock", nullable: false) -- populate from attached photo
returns 8:46
